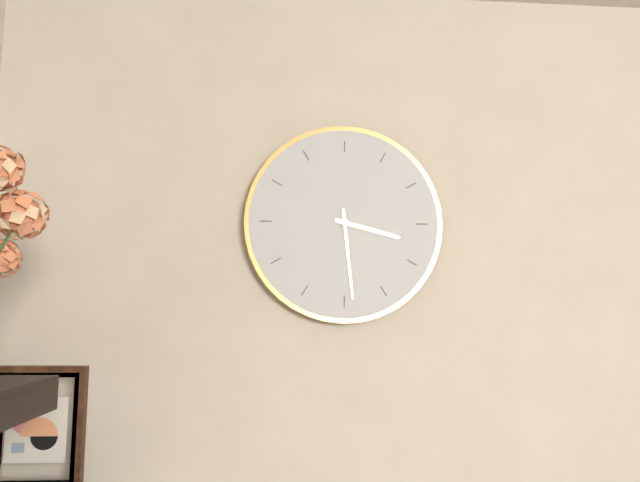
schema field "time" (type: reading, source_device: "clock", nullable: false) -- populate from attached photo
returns 3:29
